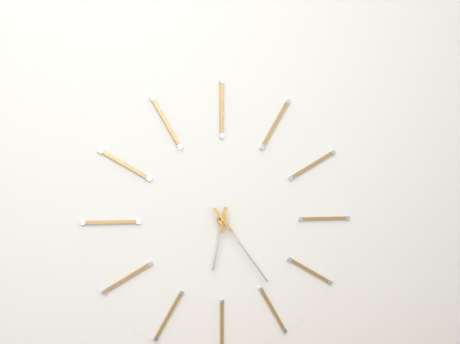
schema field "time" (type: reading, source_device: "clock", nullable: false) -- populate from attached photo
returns 6:24
